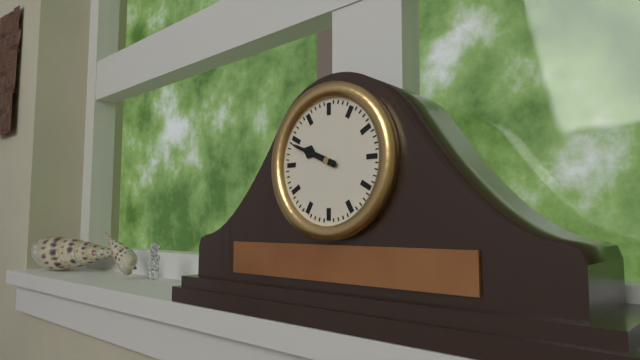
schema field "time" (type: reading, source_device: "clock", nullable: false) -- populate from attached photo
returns 9:49
